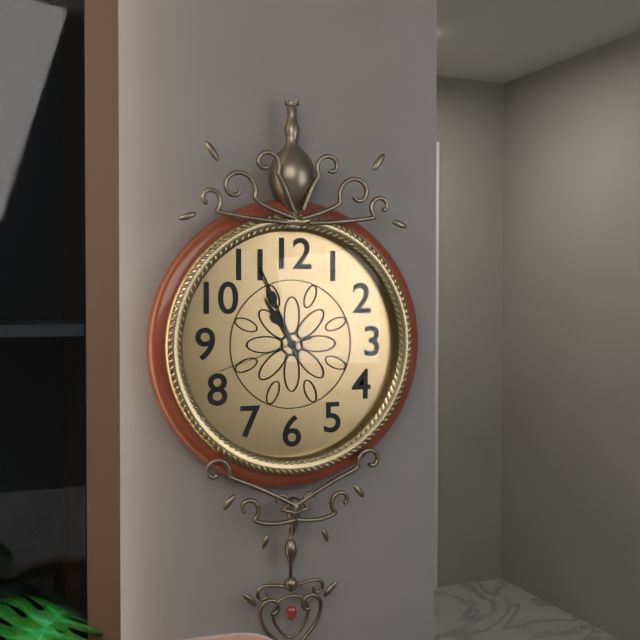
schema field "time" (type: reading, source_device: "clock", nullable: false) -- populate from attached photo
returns 10:56:42
